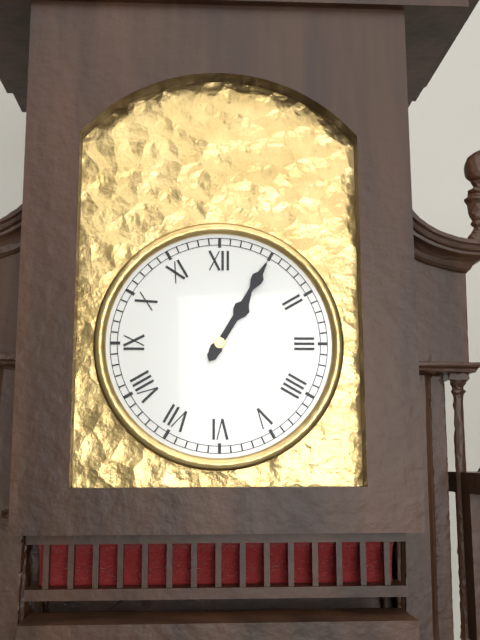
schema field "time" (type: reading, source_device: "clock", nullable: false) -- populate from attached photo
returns 1:05
